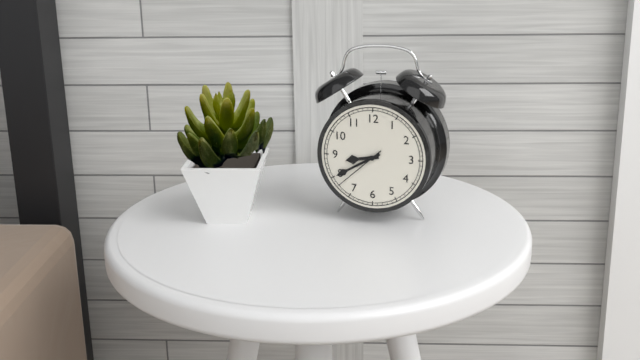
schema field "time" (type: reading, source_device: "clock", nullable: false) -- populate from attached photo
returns 8:40:38
